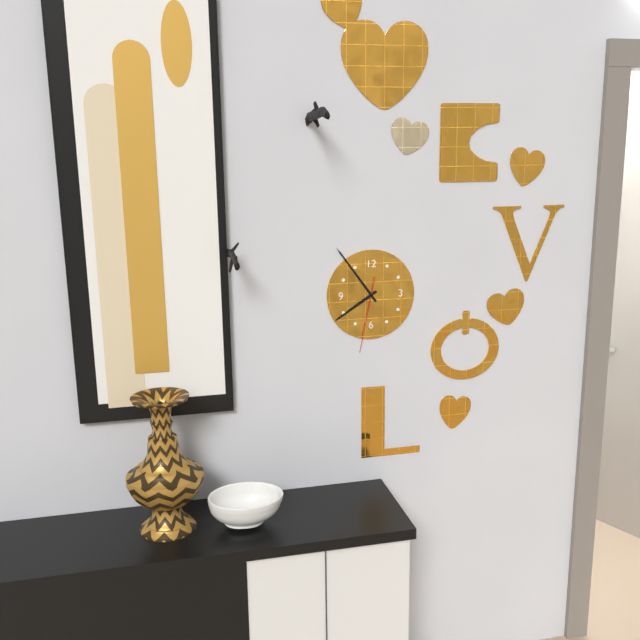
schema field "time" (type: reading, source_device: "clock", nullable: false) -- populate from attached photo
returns 7:54:32
